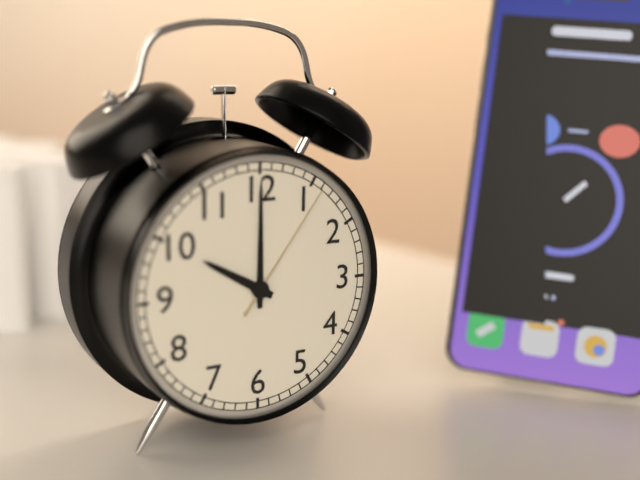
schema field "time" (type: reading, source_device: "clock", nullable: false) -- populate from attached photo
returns 10:00:06
